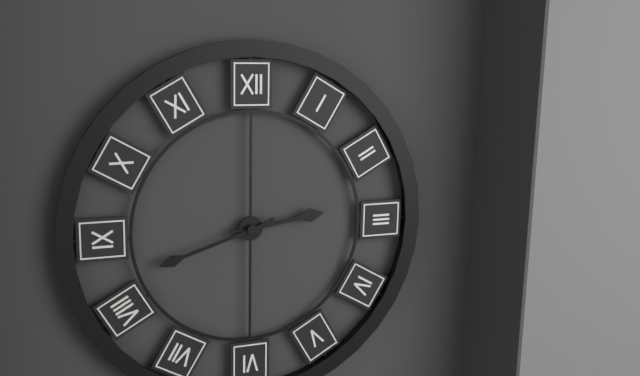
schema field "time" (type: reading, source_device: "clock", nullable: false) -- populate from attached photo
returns 2:42
